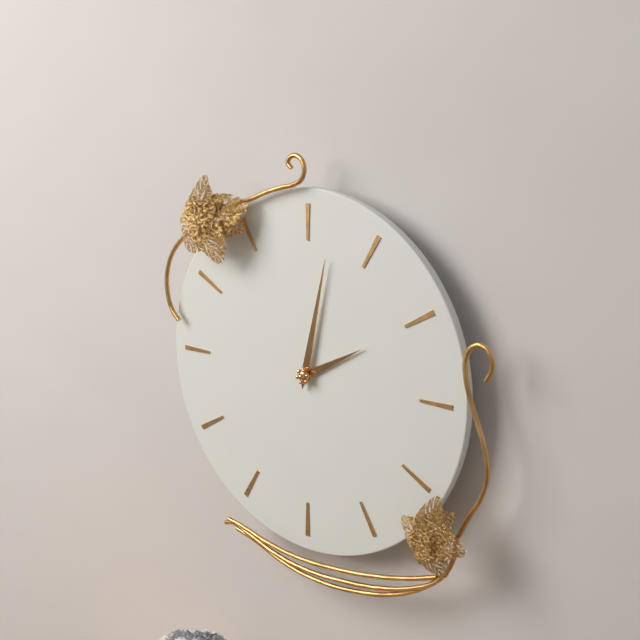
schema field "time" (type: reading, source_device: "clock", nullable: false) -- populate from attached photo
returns 2:02
